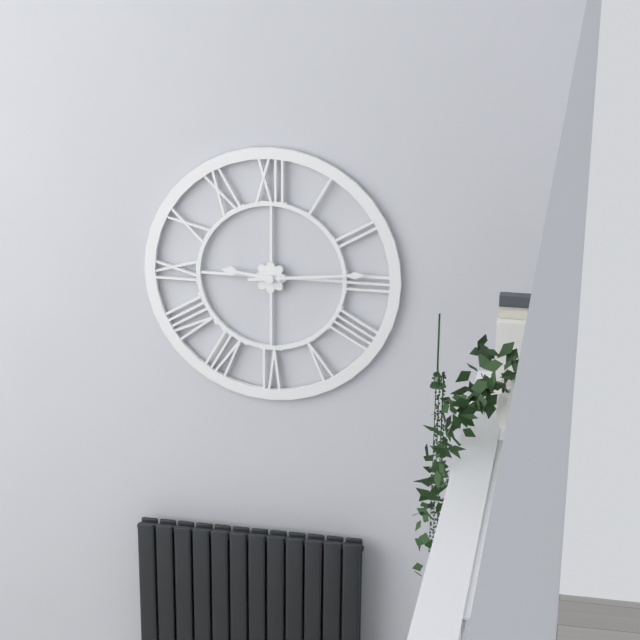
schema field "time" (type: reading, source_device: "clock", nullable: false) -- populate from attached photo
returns 9:14
